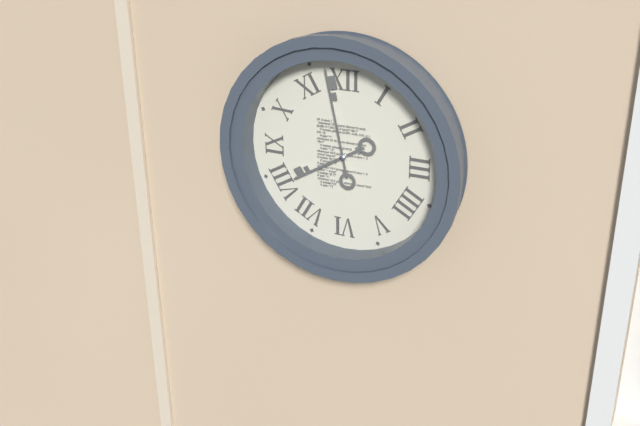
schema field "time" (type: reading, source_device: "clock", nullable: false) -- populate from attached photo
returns 7:58
